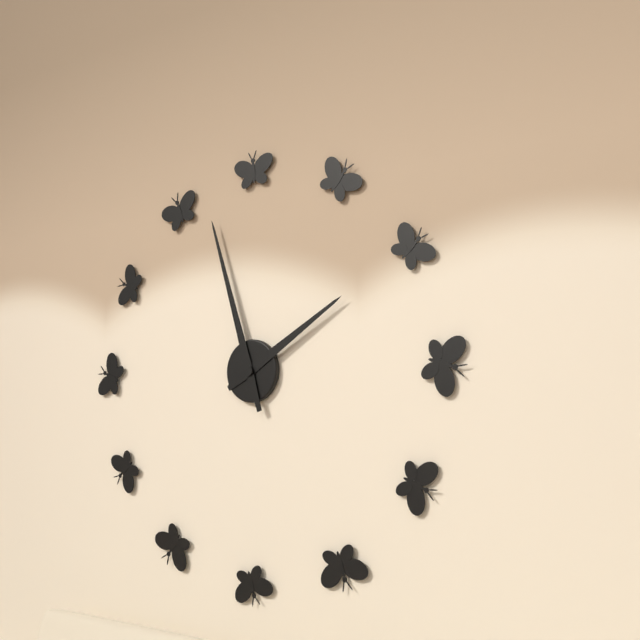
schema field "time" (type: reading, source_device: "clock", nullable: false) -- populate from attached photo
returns 1:57
